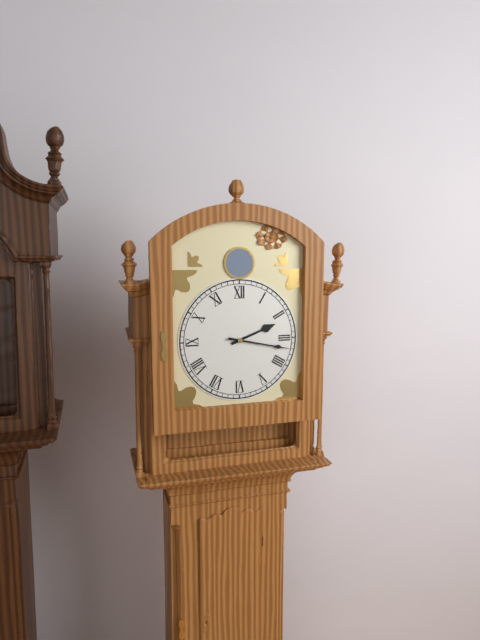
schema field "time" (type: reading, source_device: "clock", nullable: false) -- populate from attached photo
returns 2:17
